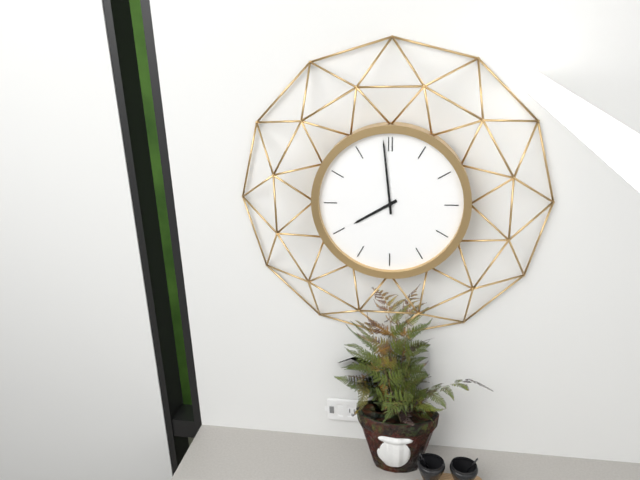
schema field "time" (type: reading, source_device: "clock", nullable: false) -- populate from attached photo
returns 7:59
